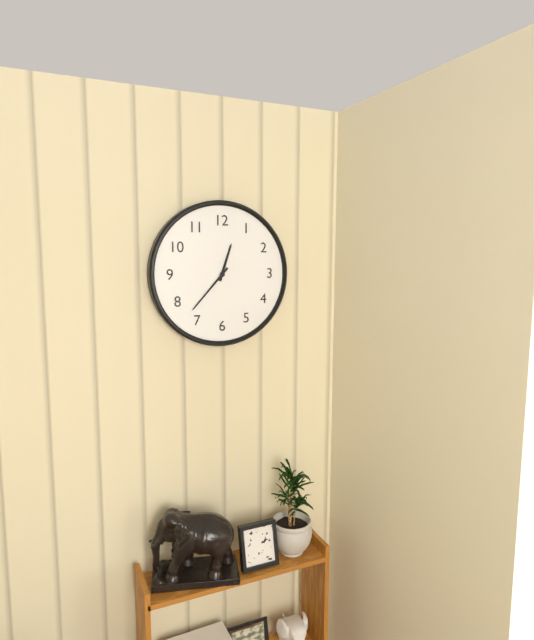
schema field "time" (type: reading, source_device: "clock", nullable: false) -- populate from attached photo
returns 12:37
